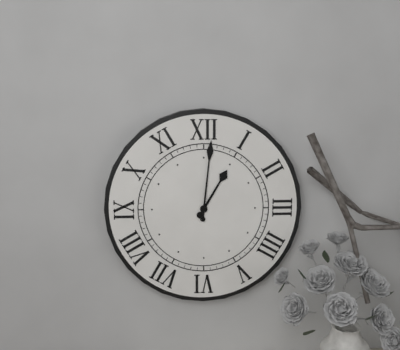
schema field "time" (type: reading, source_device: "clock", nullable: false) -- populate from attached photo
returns 1:01
